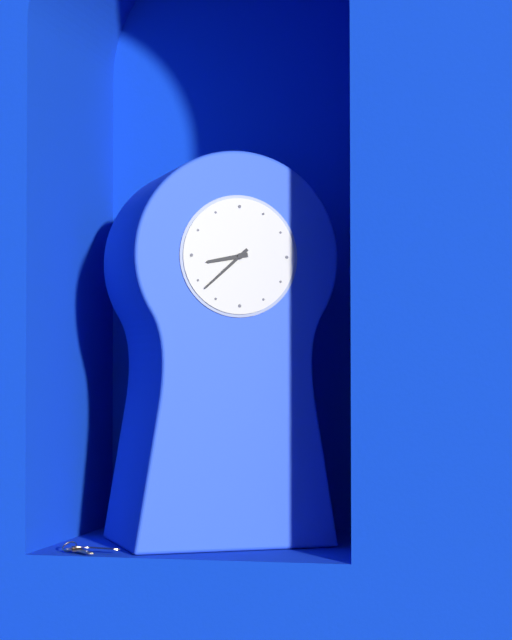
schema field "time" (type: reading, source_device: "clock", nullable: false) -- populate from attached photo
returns 8:38
